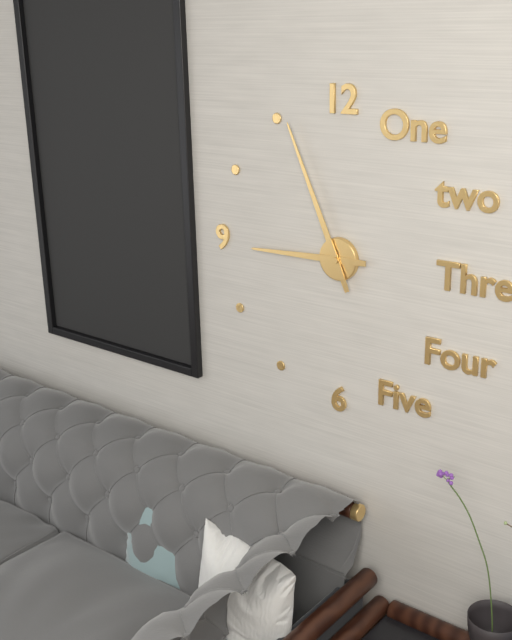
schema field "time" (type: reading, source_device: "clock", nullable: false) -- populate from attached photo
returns 8:56
